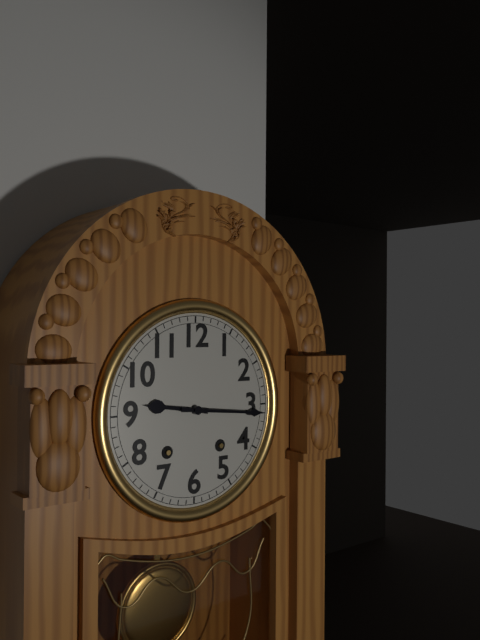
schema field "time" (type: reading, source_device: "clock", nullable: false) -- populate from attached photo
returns 9:16
